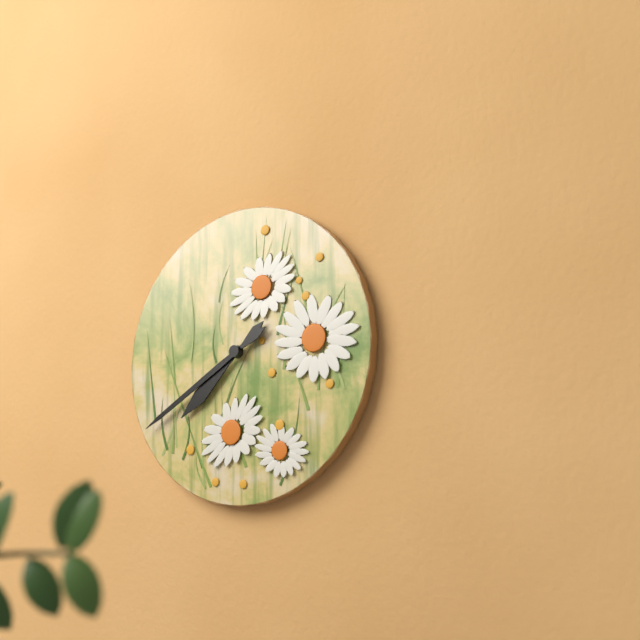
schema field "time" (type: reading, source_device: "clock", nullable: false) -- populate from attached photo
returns 7:40
